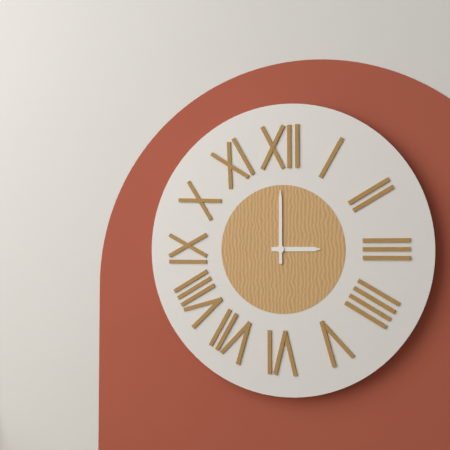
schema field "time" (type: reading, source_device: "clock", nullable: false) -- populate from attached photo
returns 3:00
